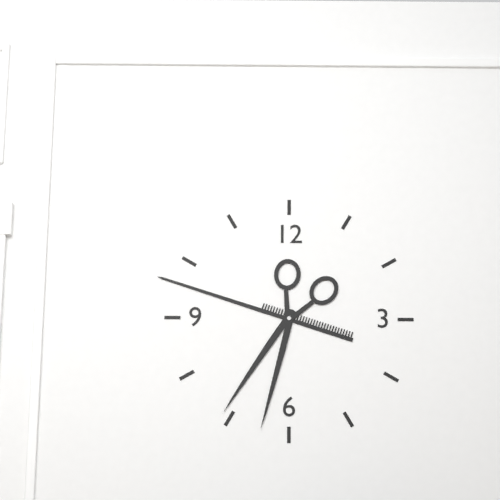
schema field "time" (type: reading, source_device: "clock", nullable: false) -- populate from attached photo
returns 6:48
